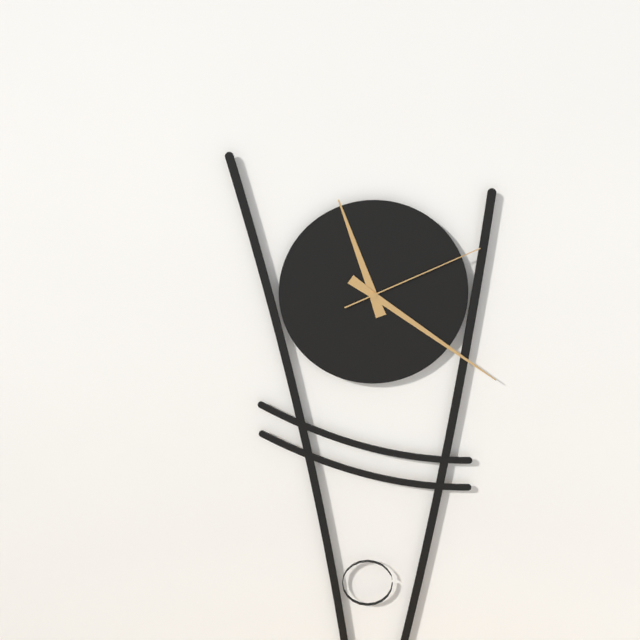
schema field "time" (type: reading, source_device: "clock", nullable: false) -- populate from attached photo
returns 11:21:11
